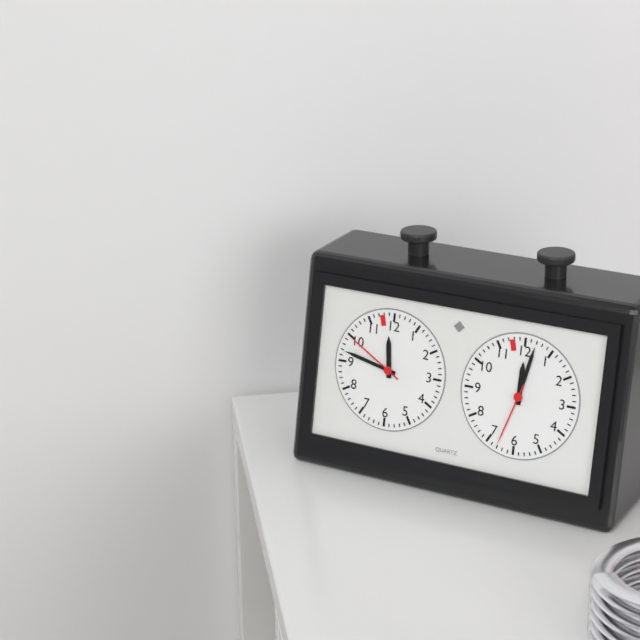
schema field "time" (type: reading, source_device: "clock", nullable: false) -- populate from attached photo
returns 11:47:50
